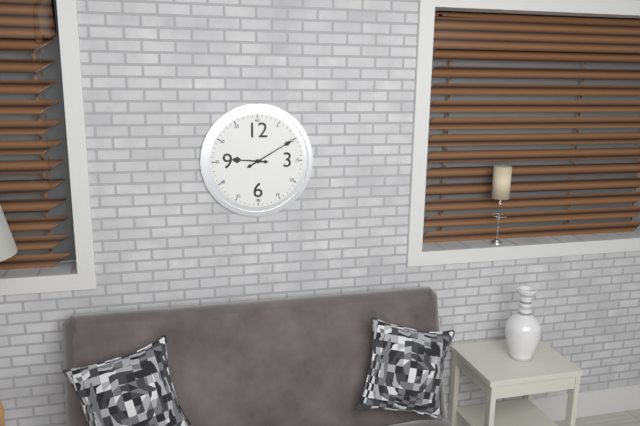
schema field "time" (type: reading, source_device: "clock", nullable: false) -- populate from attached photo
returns 9:10
